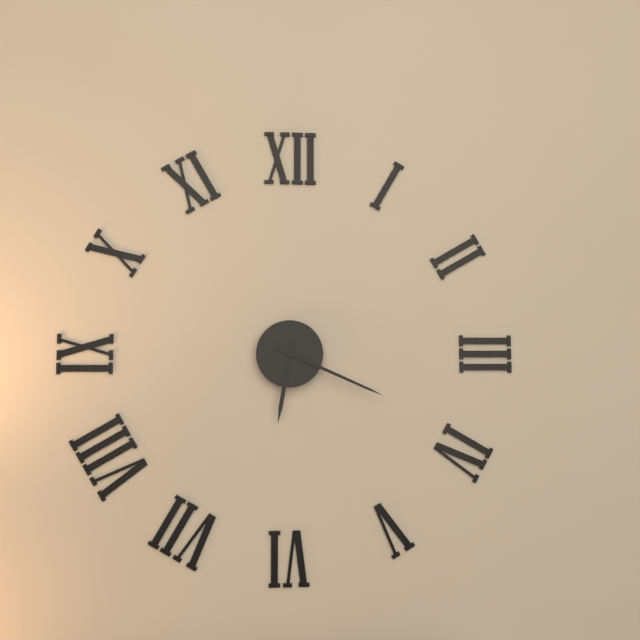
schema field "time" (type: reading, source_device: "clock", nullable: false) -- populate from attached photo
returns 6:19
